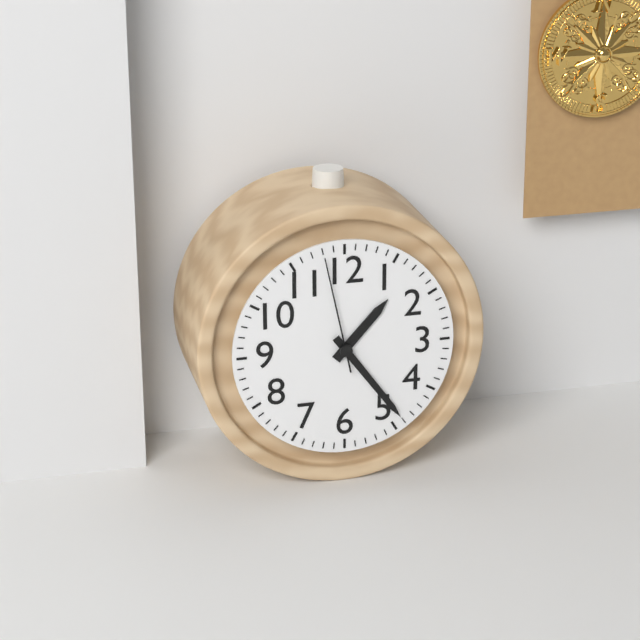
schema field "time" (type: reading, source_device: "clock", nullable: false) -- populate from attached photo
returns 1:24:58
